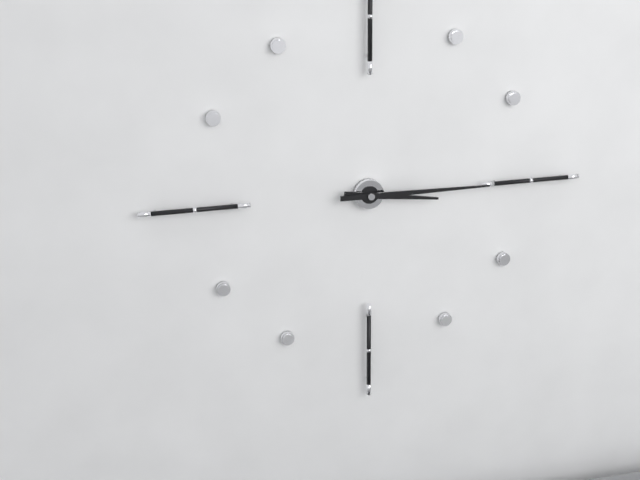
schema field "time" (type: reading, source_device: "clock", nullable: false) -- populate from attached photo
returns 3:15
